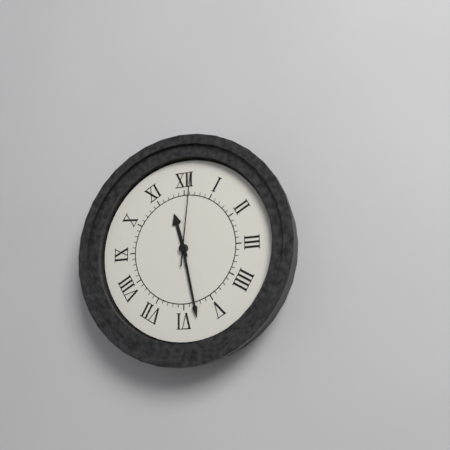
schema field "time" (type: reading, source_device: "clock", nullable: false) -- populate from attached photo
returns 11:28:01
